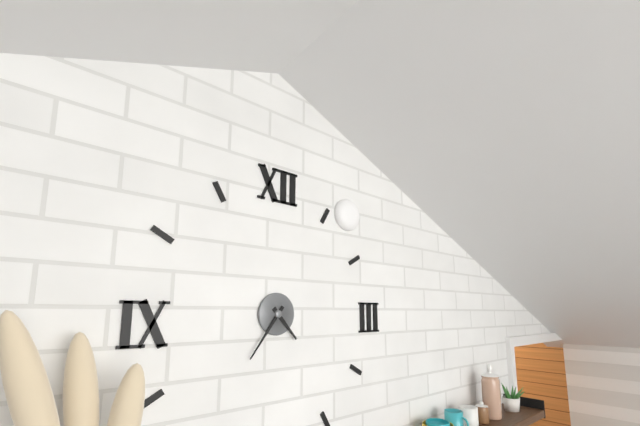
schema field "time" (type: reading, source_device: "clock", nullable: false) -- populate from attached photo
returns 4:36
